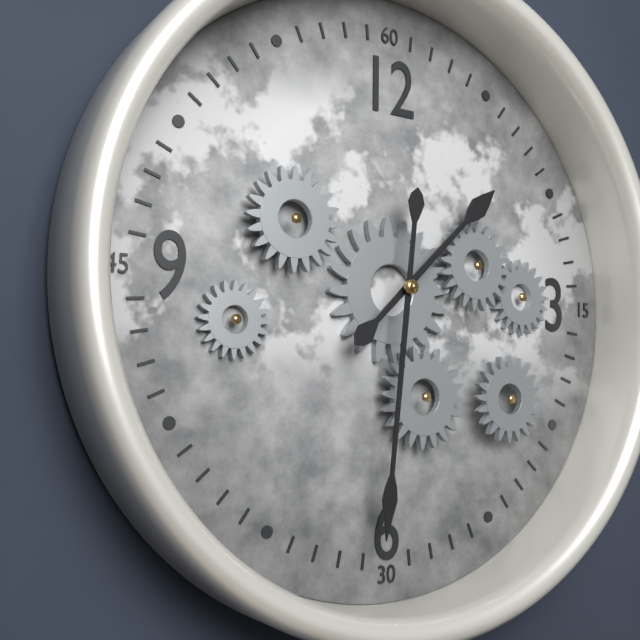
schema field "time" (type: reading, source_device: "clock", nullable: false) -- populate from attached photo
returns 1:31
